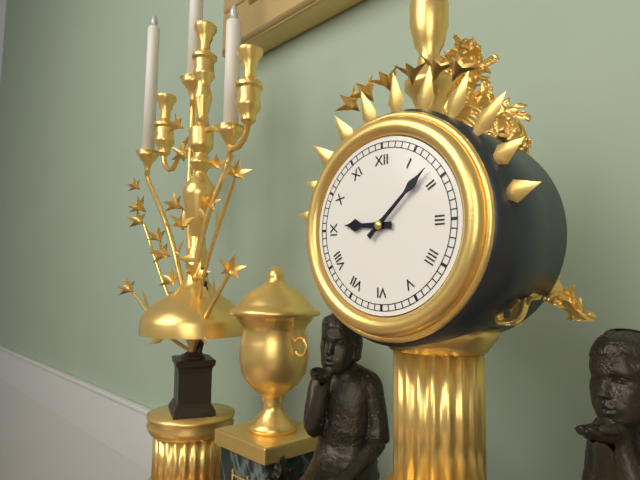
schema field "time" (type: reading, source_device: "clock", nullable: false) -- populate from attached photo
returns 9:08
